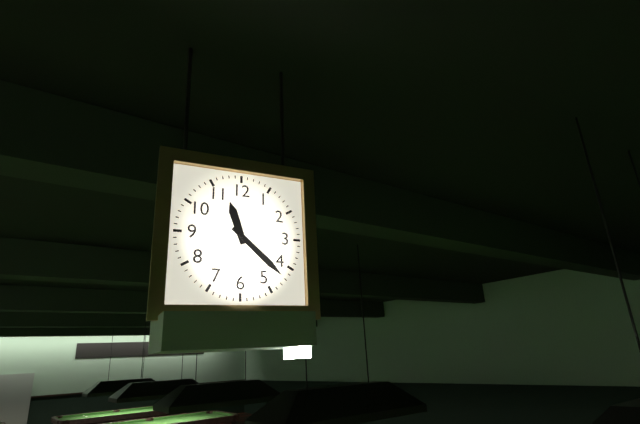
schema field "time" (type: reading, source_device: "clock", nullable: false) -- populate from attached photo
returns 11:22
